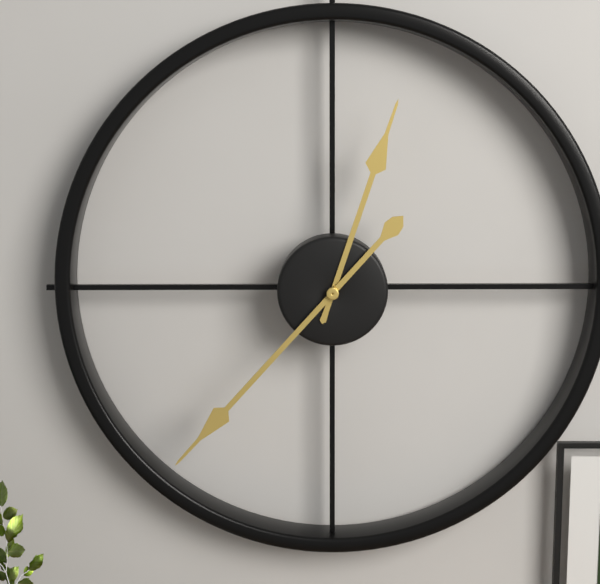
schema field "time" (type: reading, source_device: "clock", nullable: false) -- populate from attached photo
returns 12:37
